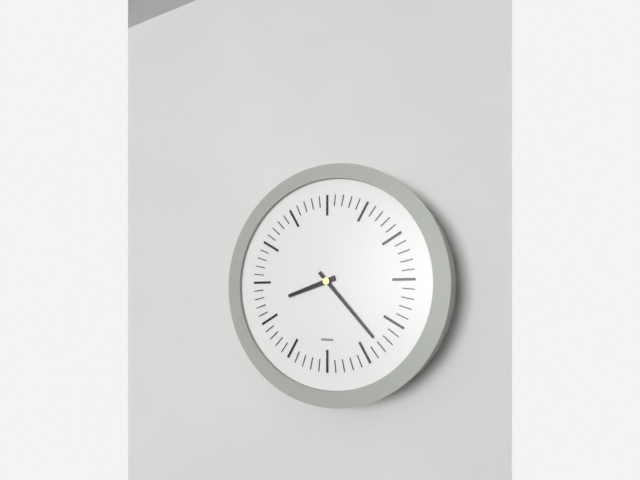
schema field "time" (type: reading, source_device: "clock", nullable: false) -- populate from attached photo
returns 8:23
